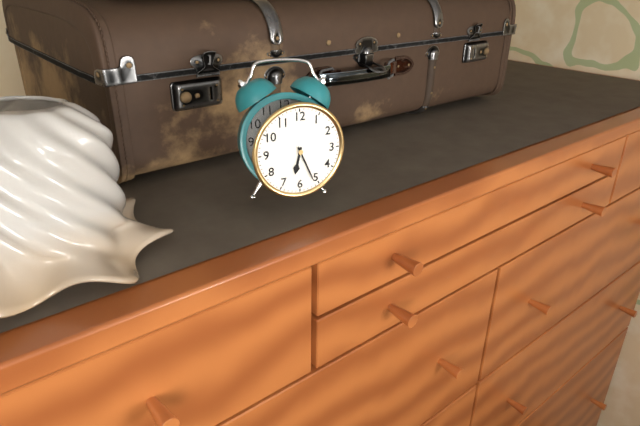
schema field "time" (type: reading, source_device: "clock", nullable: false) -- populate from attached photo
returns 6:26
